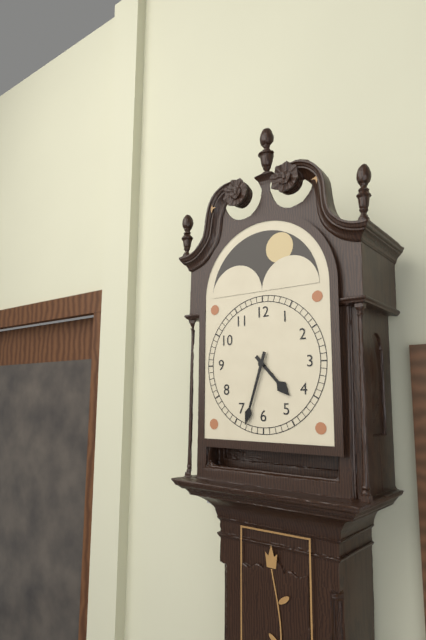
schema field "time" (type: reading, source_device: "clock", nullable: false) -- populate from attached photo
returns 4:33
